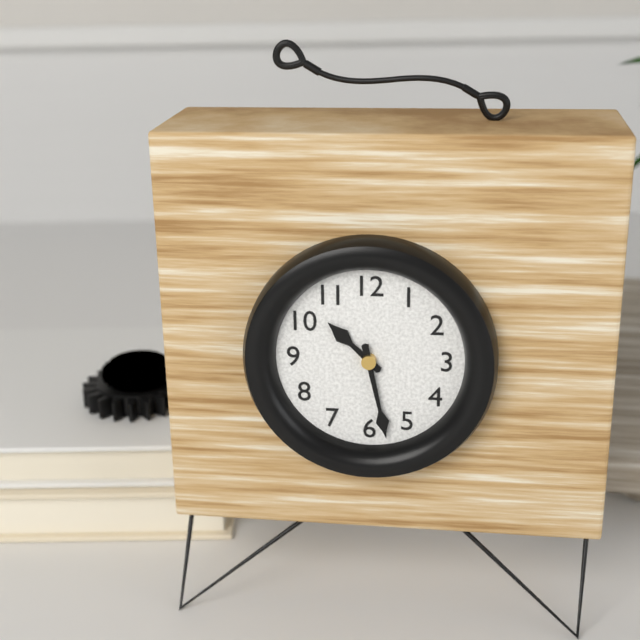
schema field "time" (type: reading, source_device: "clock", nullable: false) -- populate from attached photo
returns 10:28
